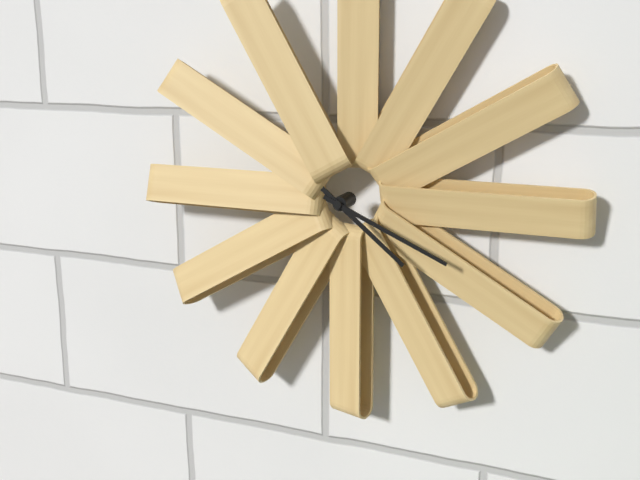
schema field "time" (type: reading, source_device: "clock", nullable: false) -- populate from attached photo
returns 4:19
